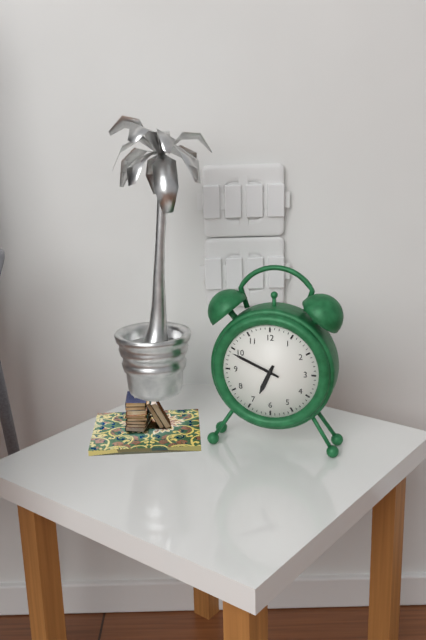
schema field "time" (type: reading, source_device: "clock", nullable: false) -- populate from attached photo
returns 6:49
